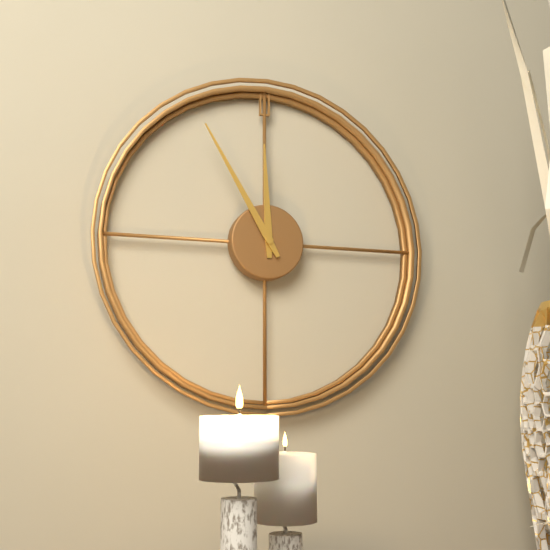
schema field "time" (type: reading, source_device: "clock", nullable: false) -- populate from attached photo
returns 11:55
